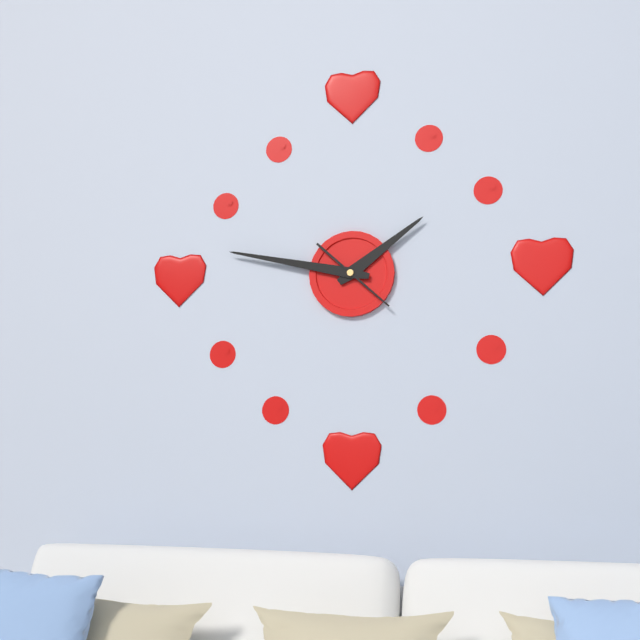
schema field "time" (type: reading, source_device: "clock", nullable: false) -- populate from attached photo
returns 1:47:22
